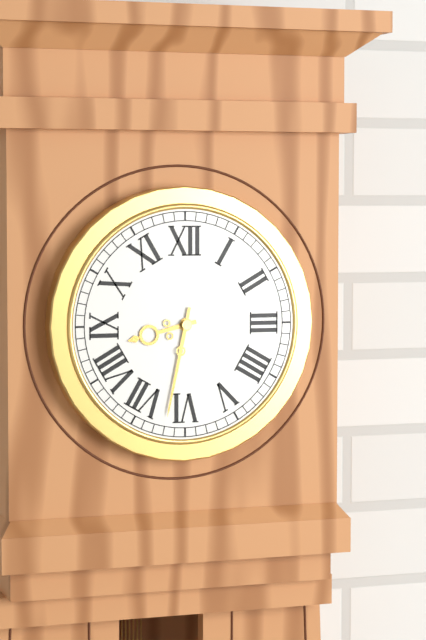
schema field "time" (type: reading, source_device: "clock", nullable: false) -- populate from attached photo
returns 8:32
